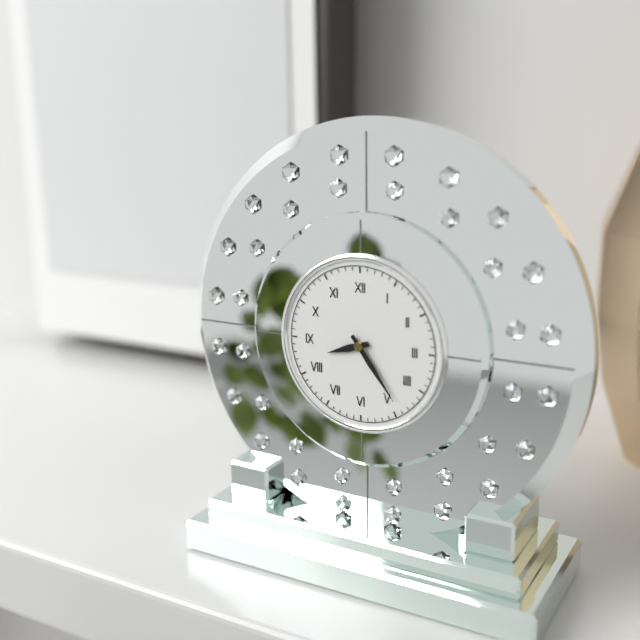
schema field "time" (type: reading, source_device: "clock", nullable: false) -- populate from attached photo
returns 8:24
